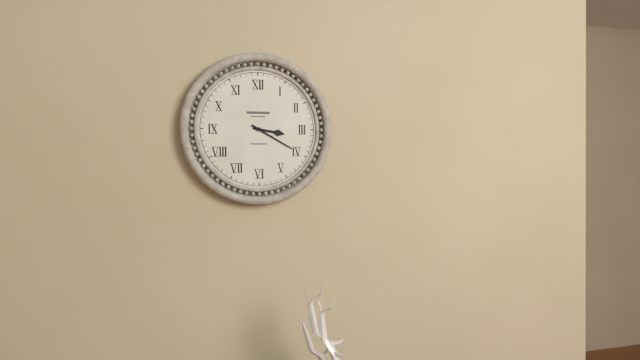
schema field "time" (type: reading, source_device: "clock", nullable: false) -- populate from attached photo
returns 3:20
